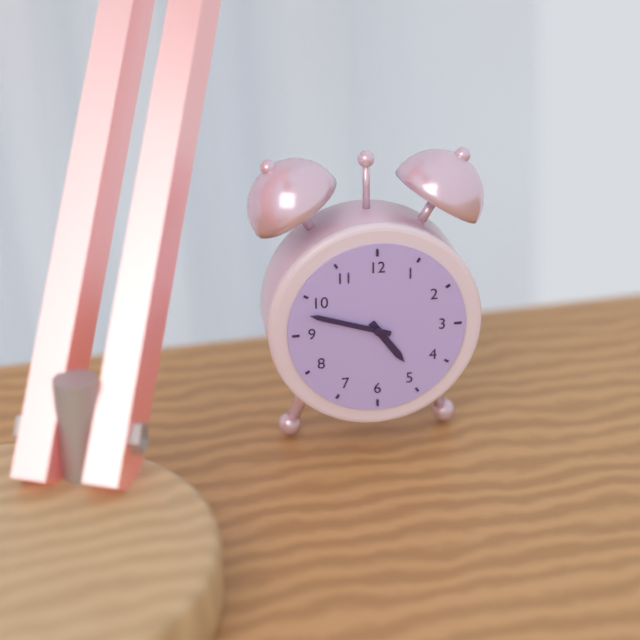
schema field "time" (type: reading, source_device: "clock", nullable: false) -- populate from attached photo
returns 4:48
